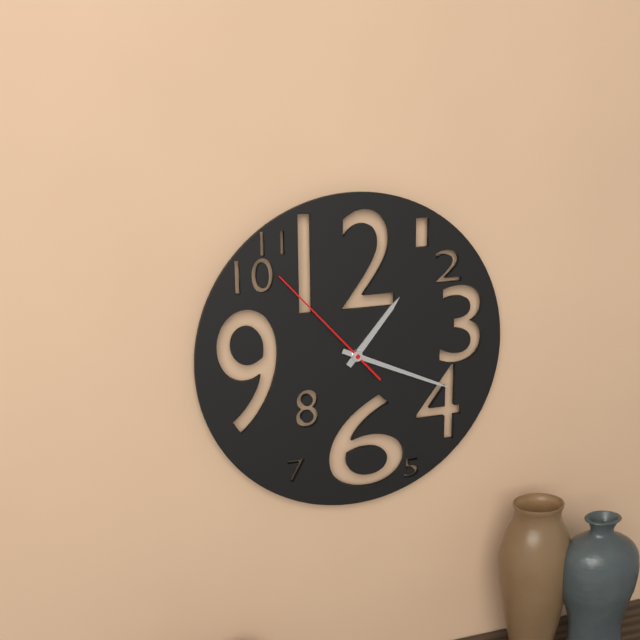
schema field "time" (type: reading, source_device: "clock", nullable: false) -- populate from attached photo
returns 1:19:53
